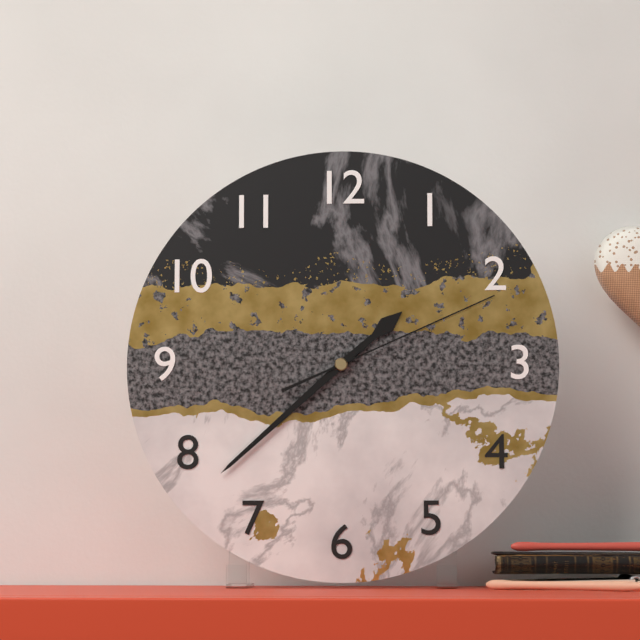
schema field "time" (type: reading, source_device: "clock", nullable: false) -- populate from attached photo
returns 1:38:11
